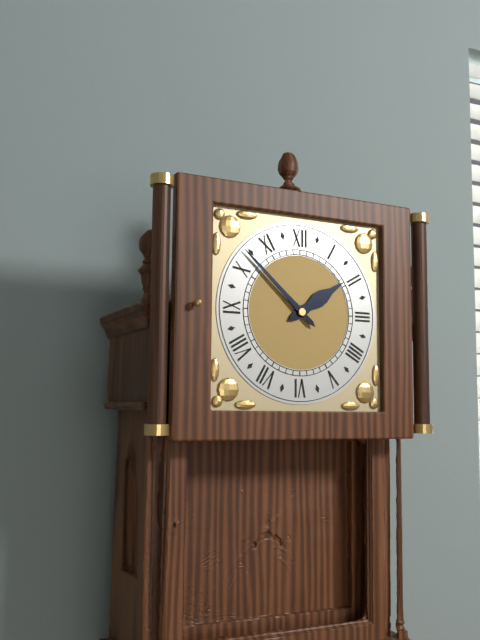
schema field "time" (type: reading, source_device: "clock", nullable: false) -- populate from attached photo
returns 1:52
